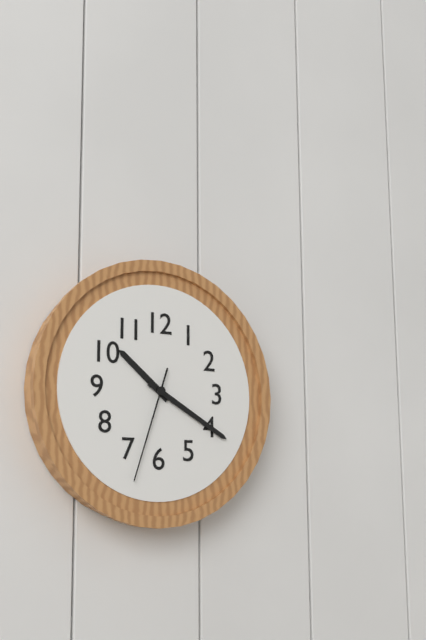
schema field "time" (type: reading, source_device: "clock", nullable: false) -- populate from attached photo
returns 10:20:33
